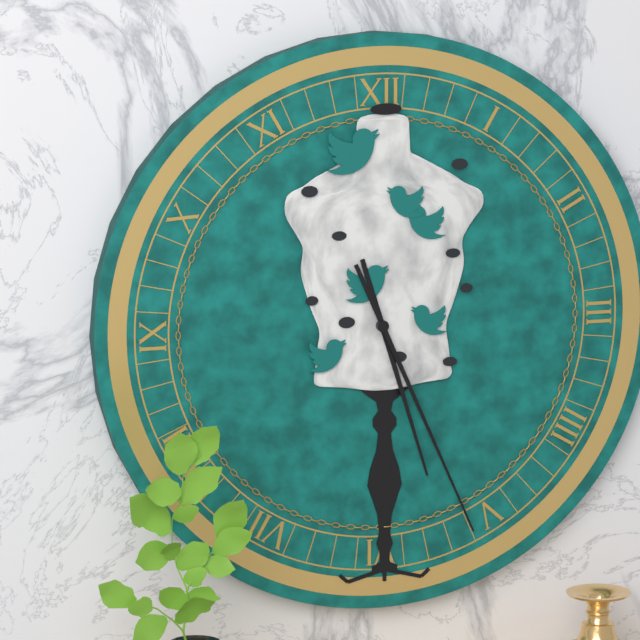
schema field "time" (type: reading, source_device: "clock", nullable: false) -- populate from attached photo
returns 5:26
